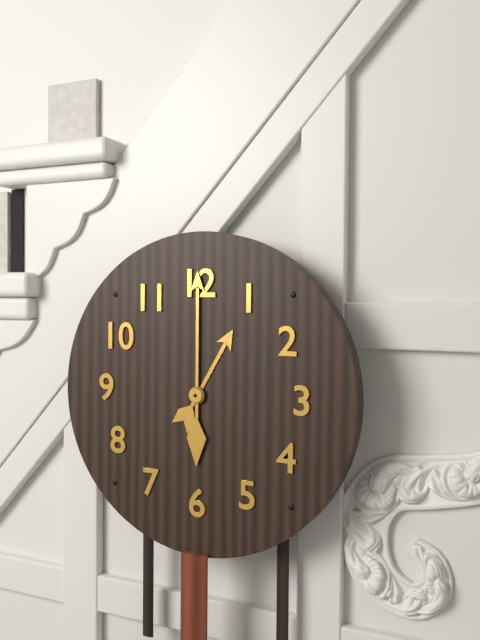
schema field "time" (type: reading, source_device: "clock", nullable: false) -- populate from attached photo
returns 1:00
